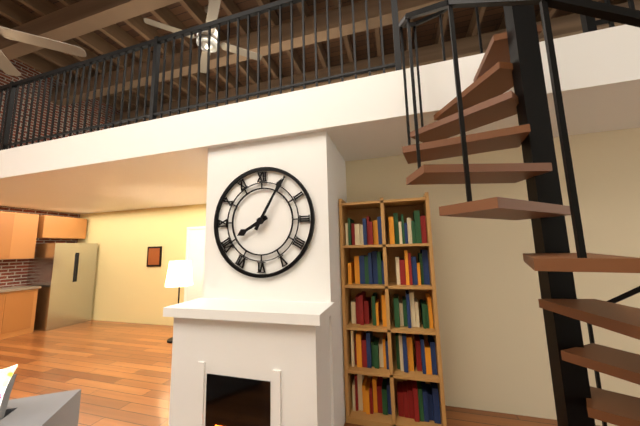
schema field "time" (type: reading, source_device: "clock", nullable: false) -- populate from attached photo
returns 8:05
